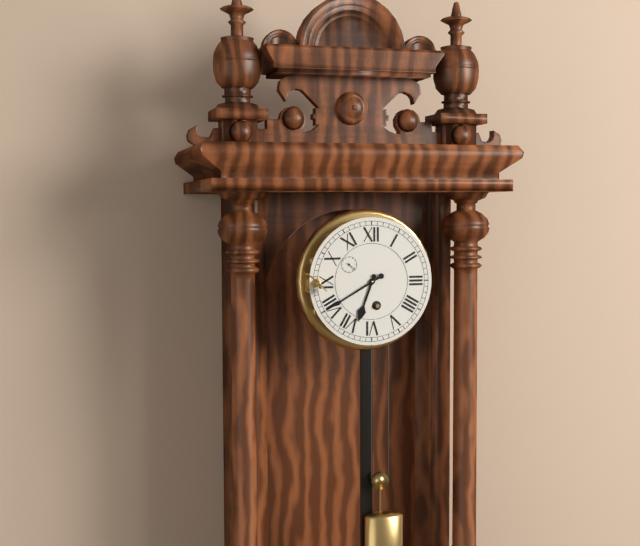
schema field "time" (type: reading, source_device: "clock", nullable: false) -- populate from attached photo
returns 6:40
